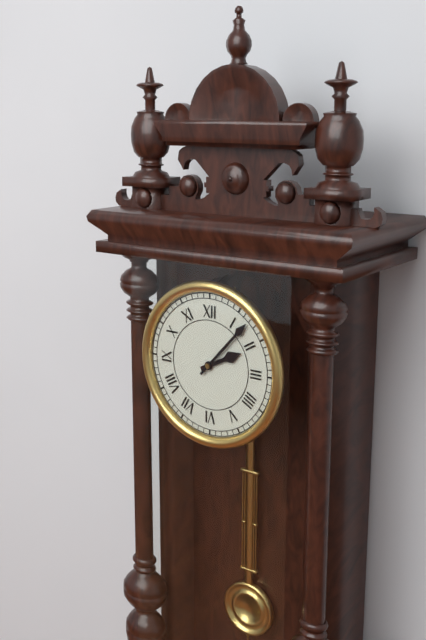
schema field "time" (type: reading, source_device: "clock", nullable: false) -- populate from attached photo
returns 2:07
